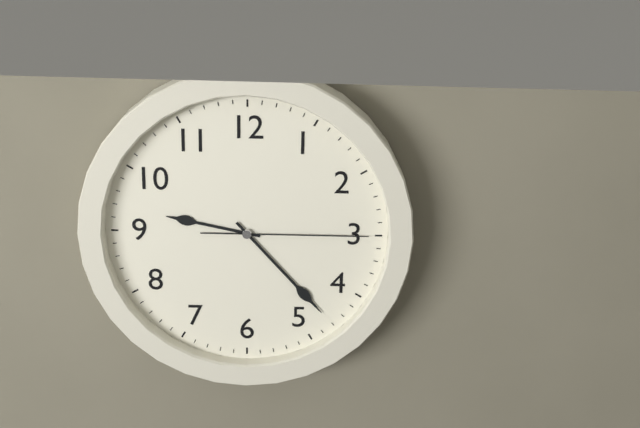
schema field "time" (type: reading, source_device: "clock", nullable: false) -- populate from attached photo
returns 9:23:15
